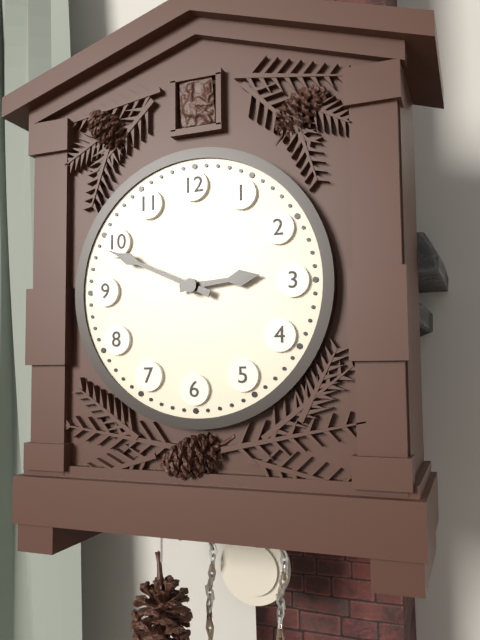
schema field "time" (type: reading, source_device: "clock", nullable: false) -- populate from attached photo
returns 2:49
